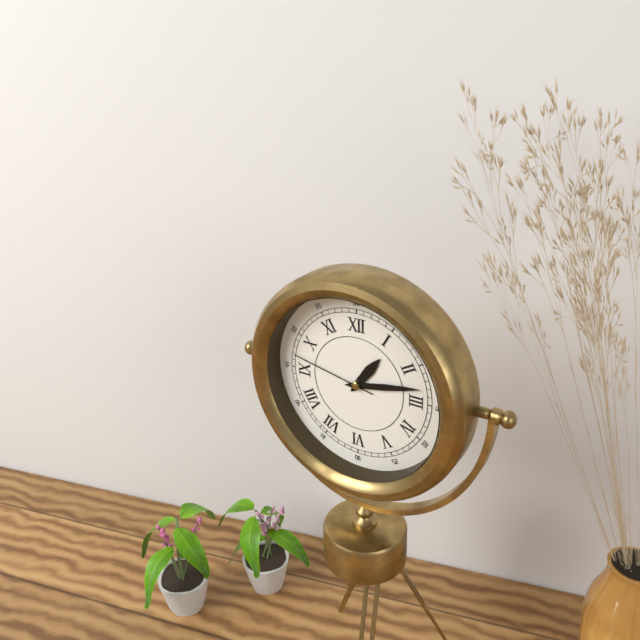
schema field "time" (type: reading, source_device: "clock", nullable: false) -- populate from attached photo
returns 1:13:47
